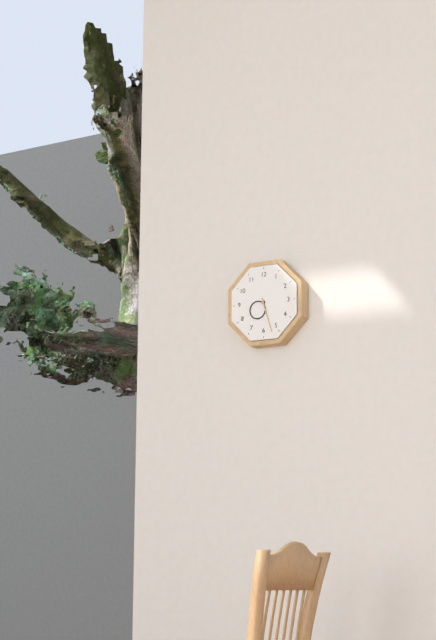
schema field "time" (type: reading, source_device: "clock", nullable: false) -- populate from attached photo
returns 7:27
